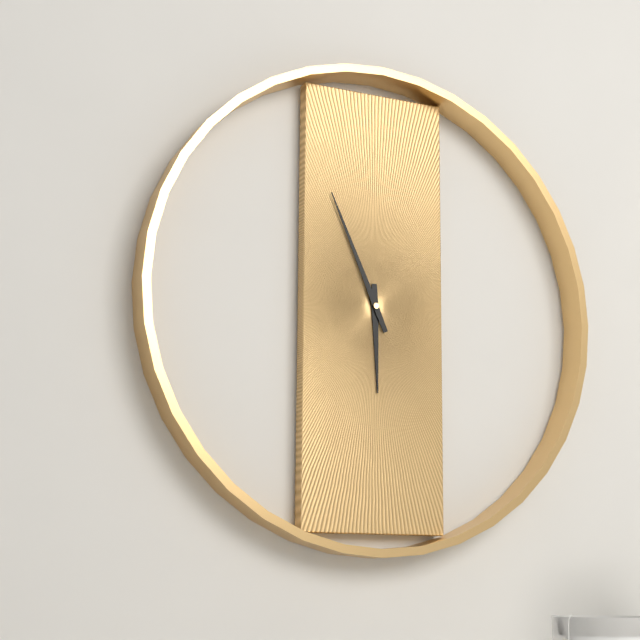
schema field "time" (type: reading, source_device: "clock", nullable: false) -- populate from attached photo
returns 5:56
